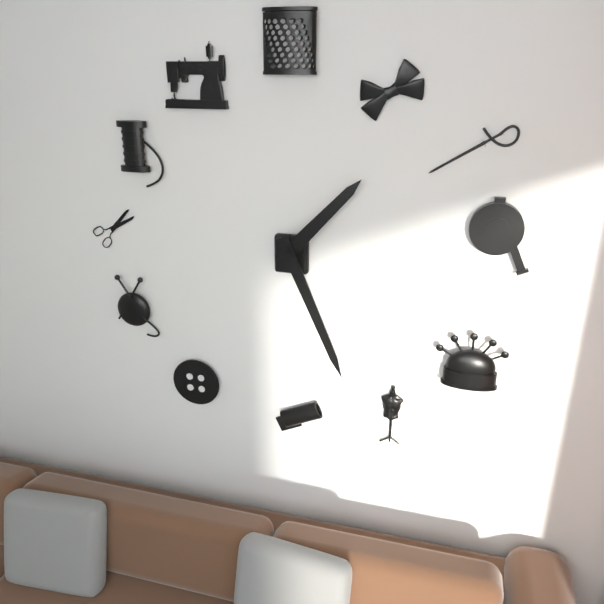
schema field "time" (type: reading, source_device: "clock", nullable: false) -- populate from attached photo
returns 1:26
